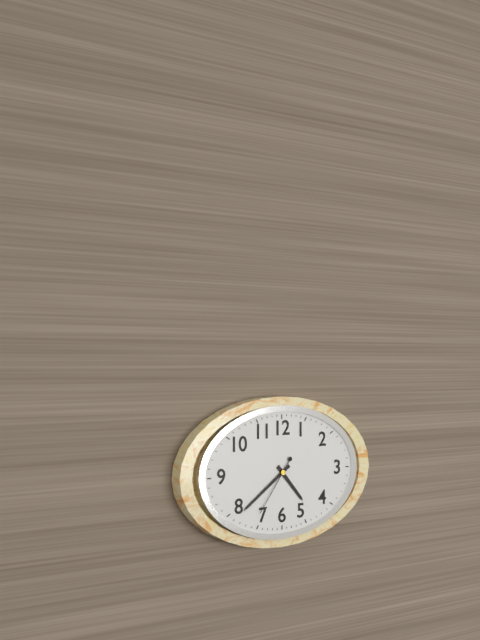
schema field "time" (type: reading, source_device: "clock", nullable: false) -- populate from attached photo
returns 4:39:36
